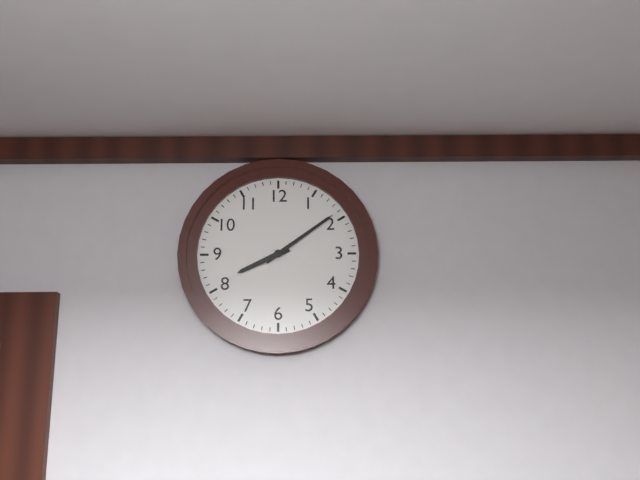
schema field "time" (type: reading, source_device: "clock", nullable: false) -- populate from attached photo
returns 8:09
